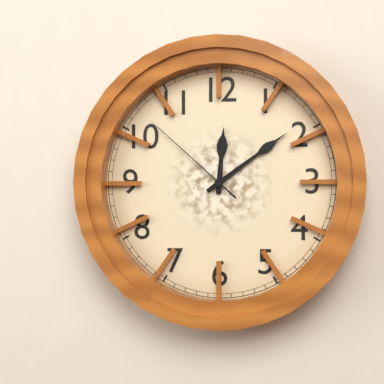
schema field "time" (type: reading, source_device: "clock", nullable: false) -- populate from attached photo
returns 12:09:52
